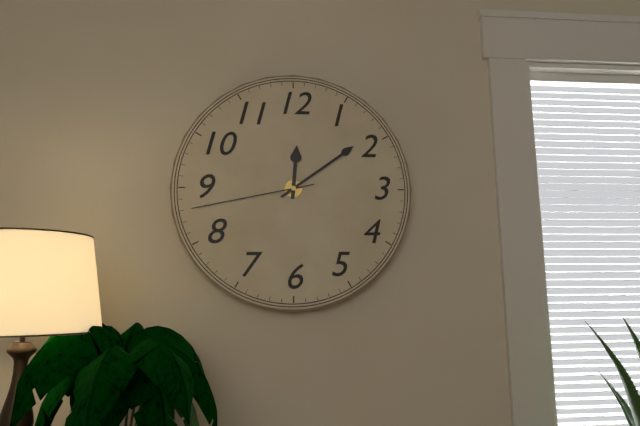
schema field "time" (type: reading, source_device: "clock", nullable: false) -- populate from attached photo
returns 12:09:43
